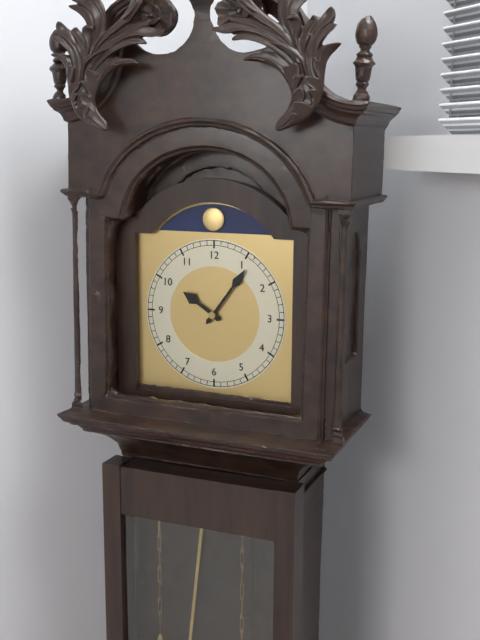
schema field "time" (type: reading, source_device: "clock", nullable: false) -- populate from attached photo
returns 10:06
